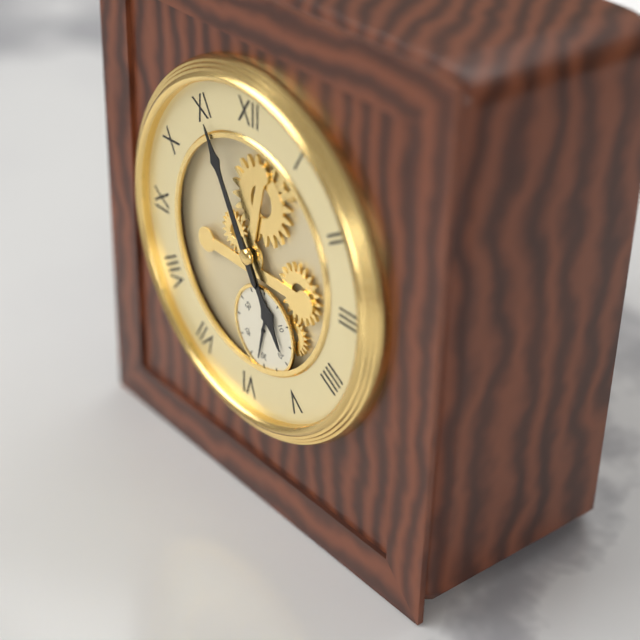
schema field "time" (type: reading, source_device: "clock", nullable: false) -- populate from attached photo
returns 4:55
